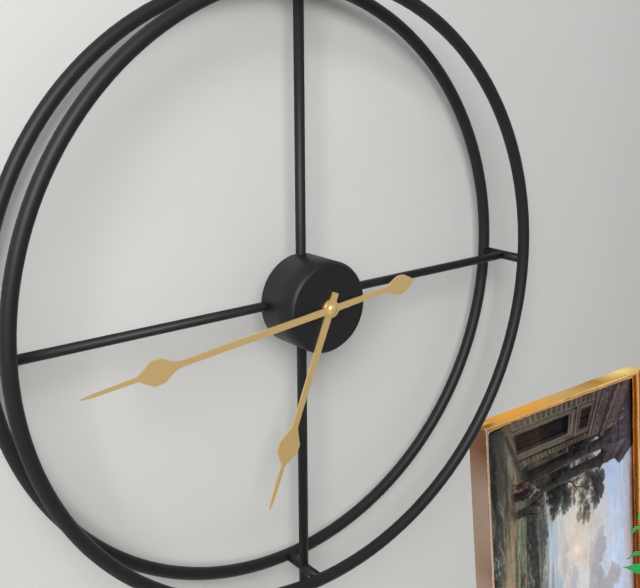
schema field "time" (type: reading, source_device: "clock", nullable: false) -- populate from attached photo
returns 6:44
